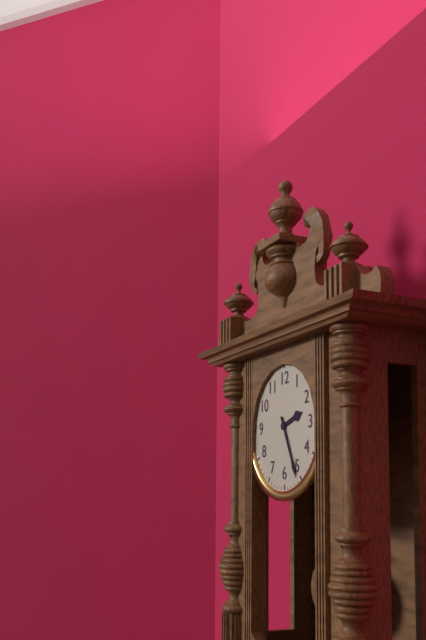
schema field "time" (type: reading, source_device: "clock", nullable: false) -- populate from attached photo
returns 2:26
